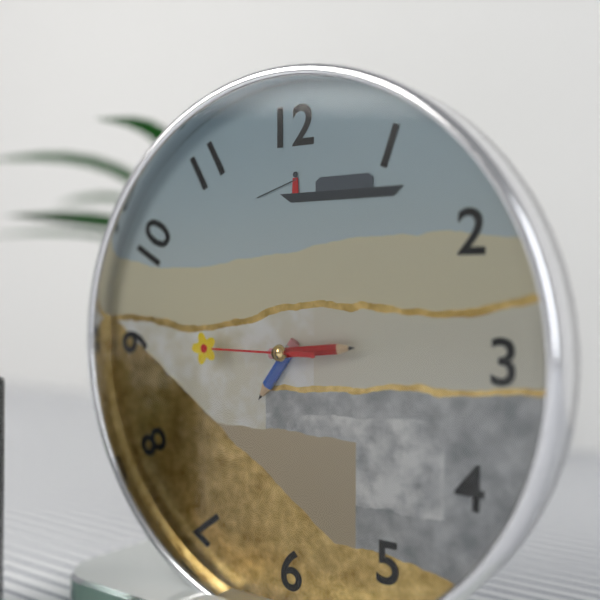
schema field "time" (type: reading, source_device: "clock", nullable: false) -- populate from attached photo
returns 7:14:45
